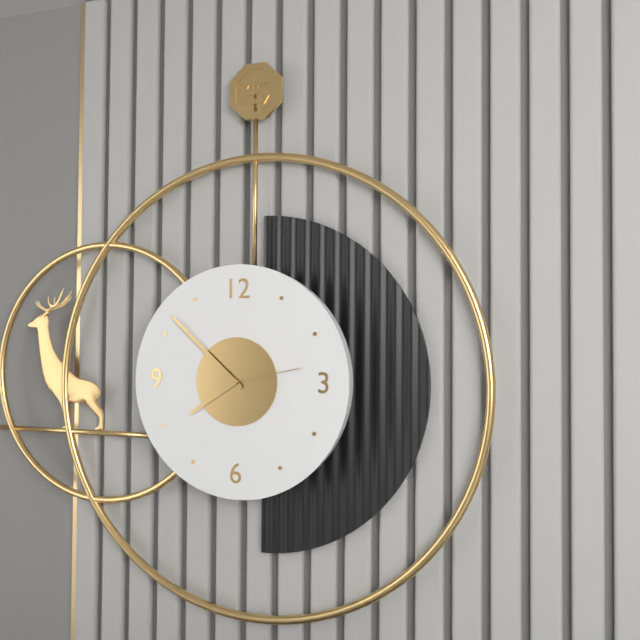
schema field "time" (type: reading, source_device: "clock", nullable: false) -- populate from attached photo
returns 7:52:13
